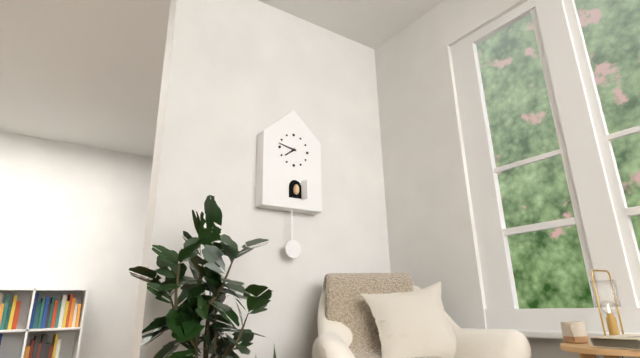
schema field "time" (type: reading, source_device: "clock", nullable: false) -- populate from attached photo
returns 7:47
